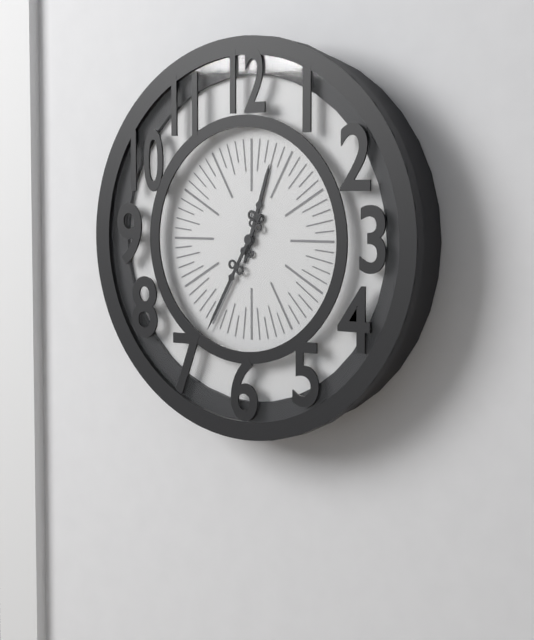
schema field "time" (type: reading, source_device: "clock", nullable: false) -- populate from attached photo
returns 12:35
